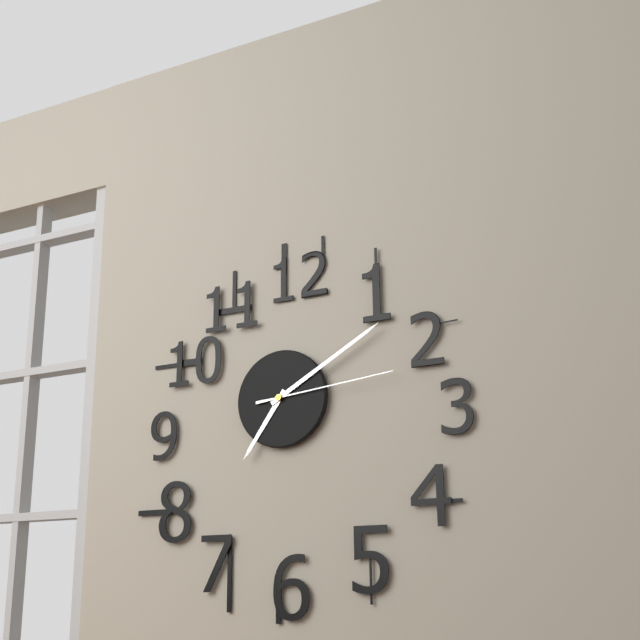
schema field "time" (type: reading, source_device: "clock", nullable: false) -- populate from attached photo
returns 7:10:14
